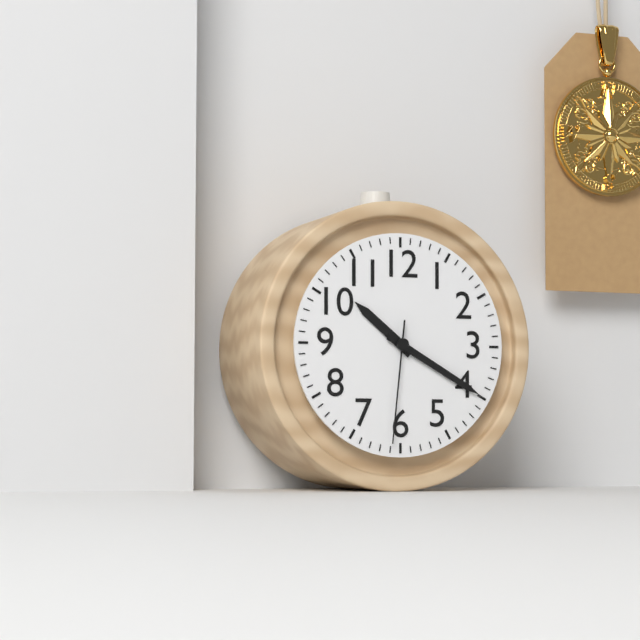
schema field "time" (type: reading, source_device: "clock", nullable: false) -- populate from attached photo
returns 10:20:31
